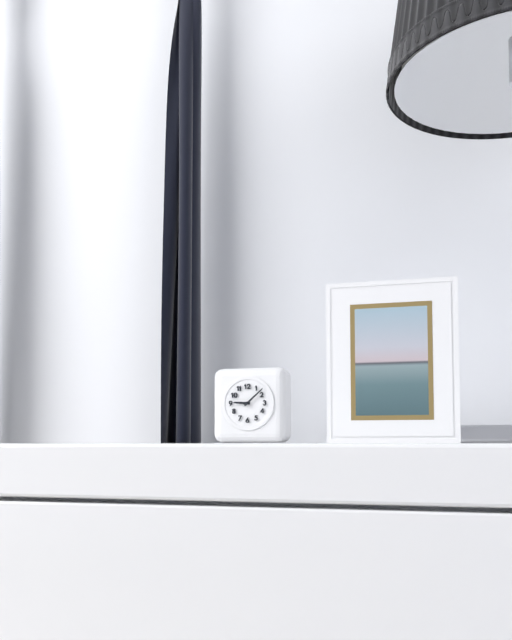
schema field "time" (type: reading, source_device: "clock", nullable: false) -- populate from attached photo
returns 9:08
